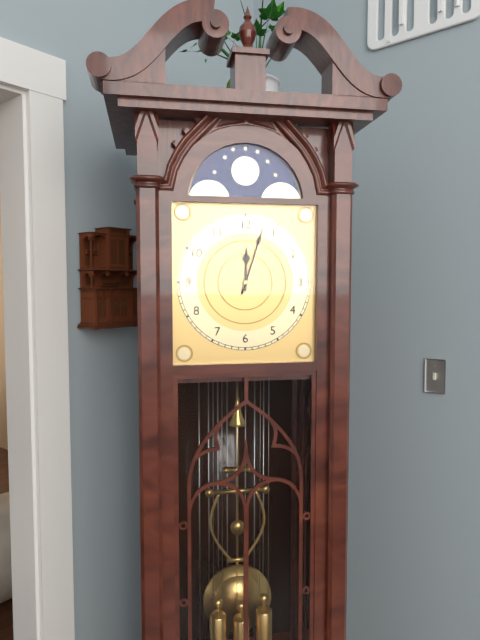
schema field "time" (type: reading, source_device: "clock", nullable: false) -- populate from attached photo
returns 12:03
